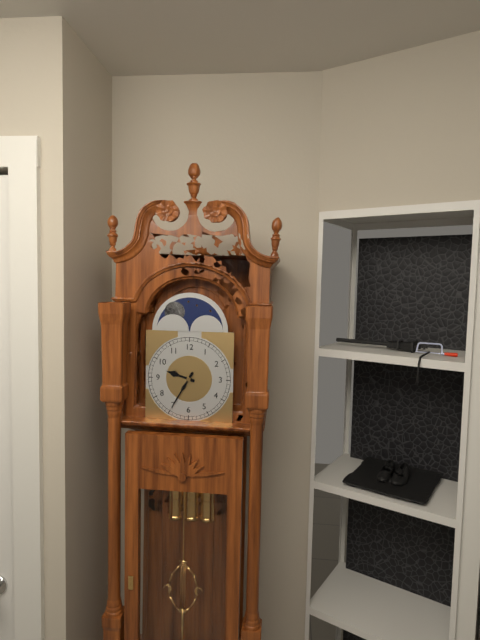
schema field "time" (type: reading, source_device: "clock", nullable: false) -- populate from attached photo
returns 9:35
